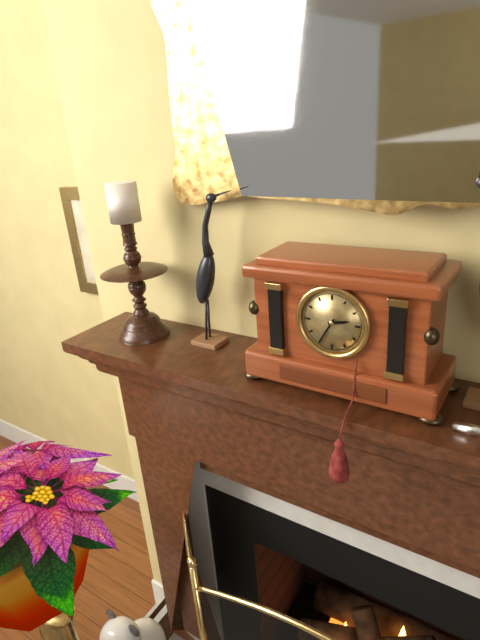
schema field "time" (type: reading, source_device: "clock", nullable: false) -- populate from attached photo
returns 2:35
